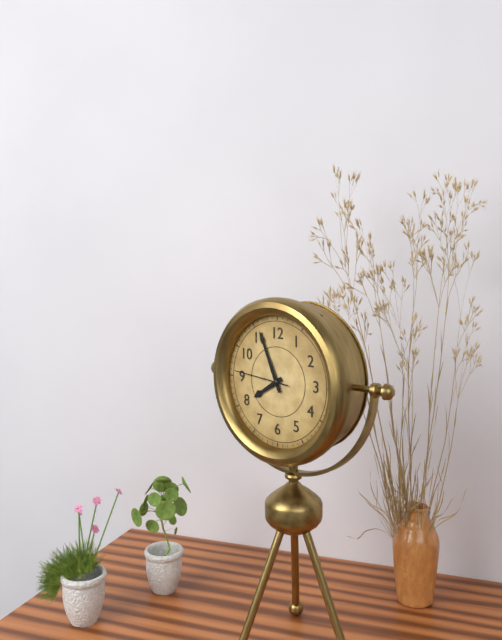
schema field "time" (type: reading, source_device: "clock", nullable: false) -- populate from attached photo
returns 7:56:46
